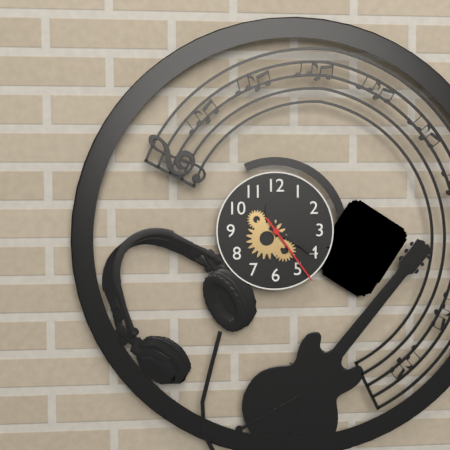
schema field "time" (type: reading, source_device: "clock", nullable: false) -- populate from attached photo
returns 11:20:24
